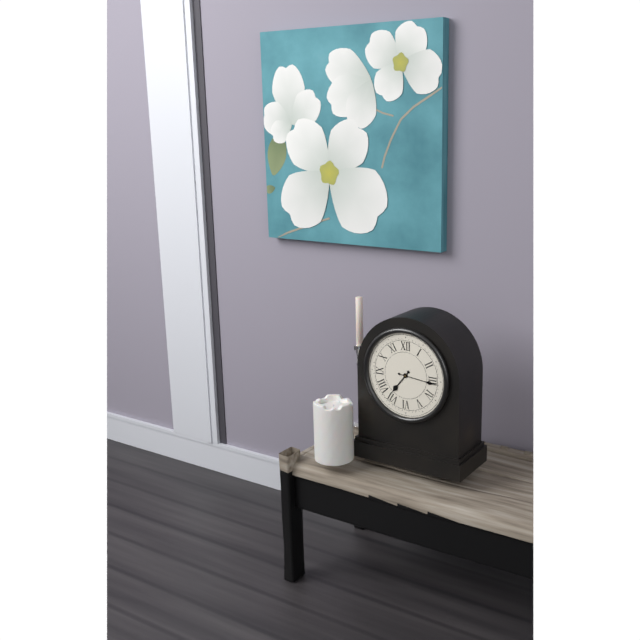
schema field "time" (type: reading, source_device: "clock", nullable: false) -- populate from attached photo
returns 7:16
